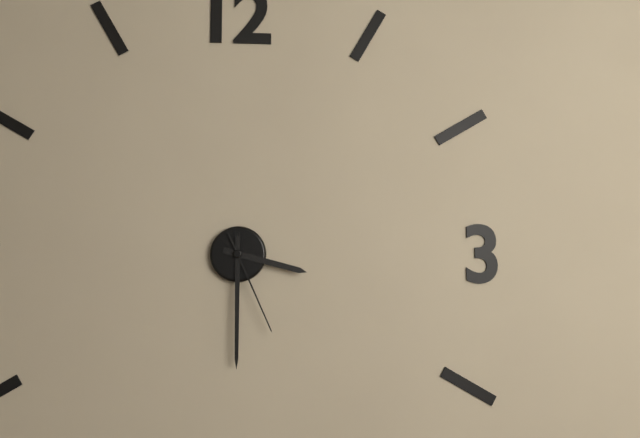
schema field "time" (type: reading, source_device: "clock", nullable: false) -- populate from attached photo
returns 3:30:26
